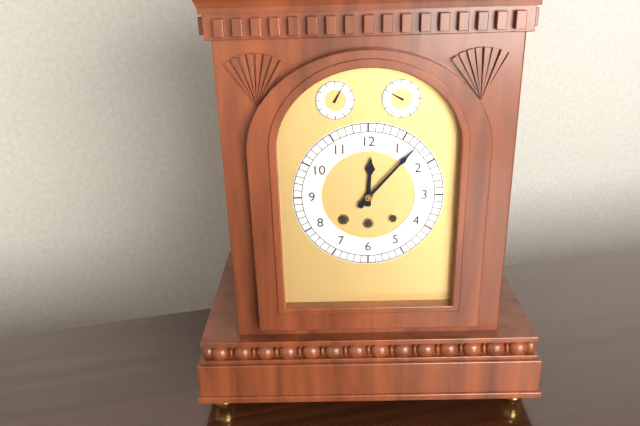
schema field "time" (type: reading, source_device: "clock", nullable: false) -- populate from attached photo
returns 12:07
